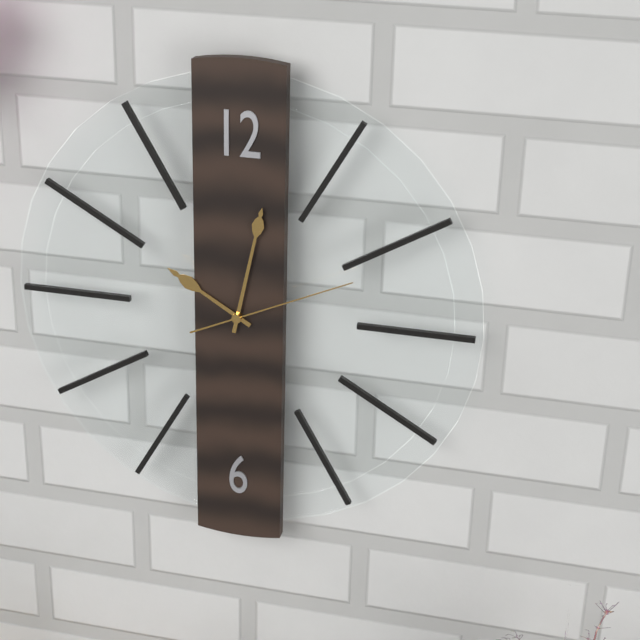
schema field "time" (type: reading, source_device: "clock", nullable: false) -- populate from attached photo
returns 10:02:11
